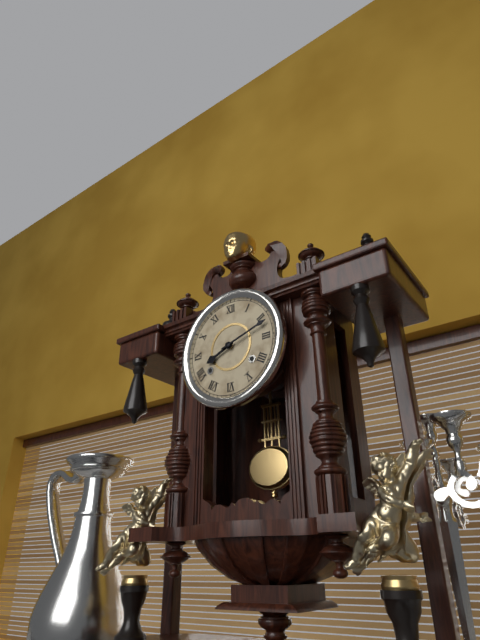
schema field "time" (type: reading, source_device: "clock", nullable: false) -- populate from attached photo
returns 8:12
